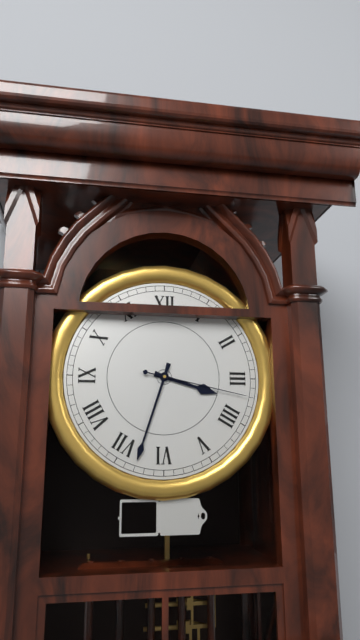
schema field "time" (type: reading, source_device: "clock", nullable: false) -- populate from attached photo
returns 3:33:17
